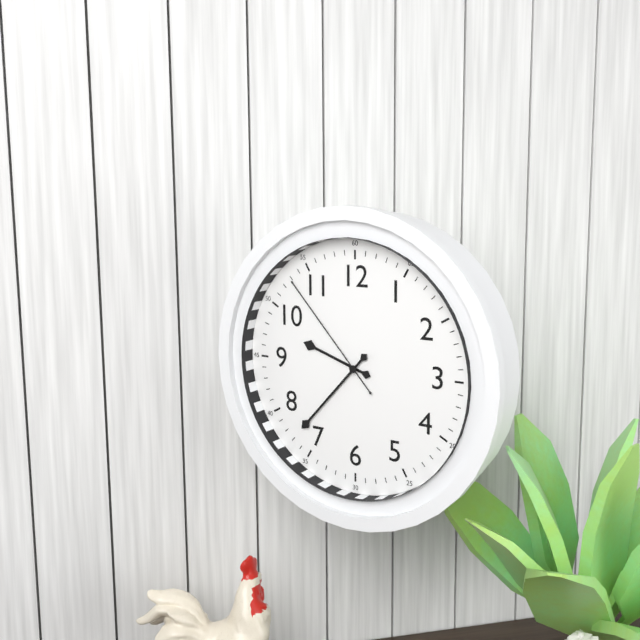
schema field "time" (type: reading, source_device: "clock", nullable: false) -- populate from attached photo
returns 9:37:53
